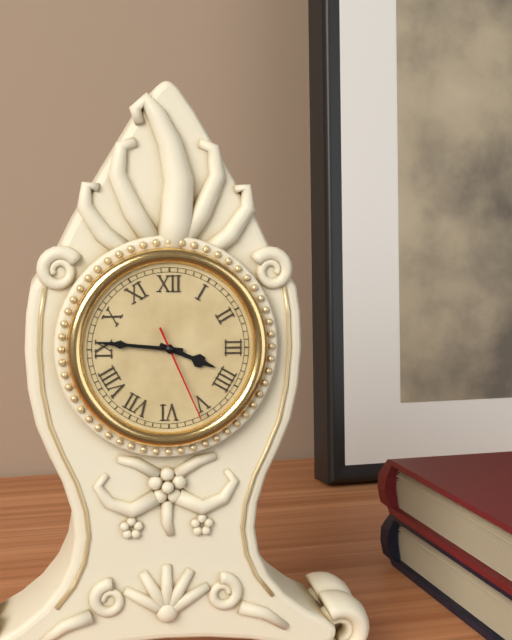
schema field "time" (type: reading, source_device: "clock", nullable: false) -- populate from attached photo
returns 3:46:26
